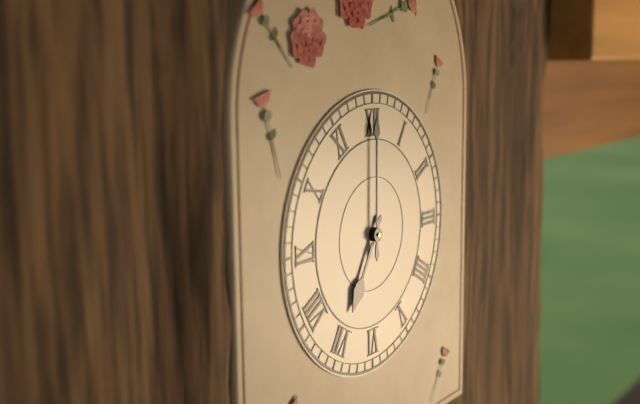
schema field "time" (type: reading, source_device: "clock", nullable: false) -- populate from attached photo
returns 7:00
